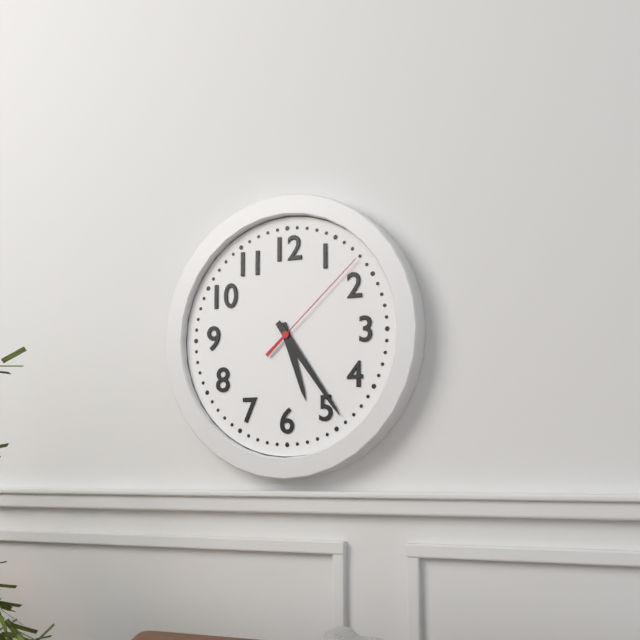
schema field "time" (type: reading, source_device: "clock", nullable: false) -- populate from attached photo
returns 5:24:08
